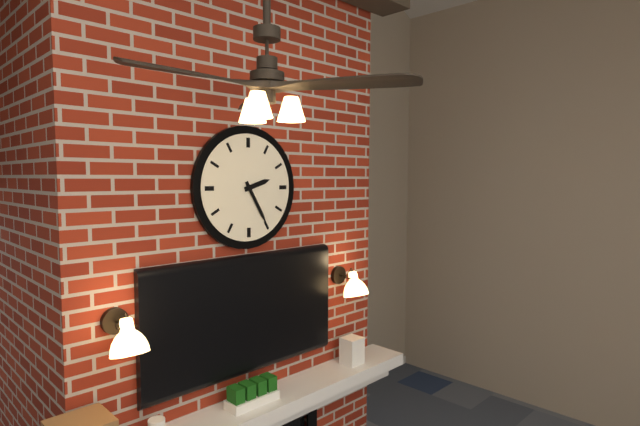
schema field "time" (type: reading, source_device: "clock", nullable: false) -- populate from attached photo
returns 2:25
